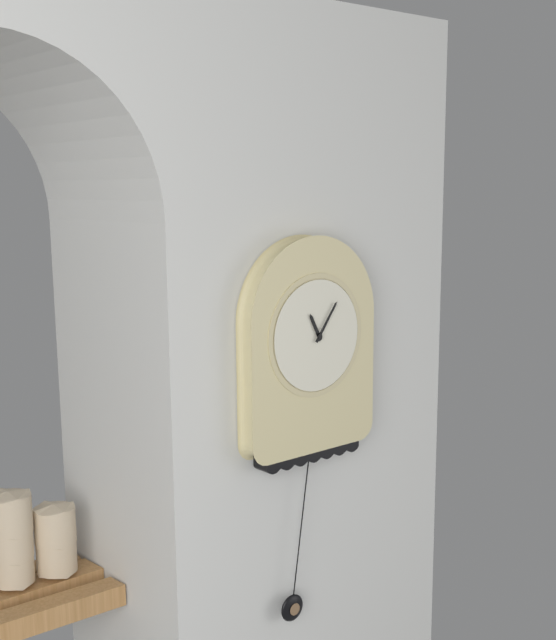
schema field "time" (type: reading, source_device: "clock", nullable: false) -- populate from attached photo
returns 11:06
